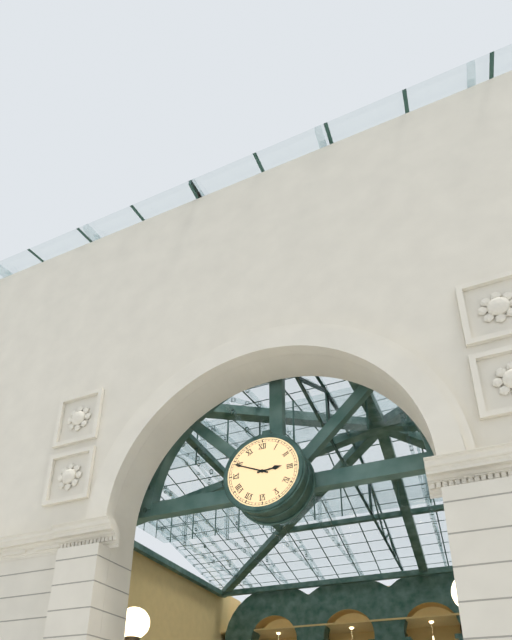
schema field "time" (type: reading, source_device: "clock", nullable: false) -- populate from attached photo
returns 2:49
